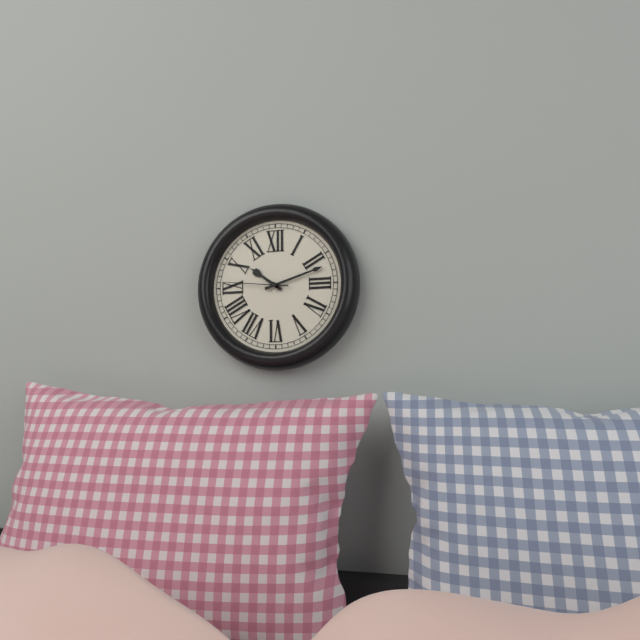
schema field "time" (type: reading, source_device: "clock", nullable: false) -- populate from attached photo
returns 10:12:46
